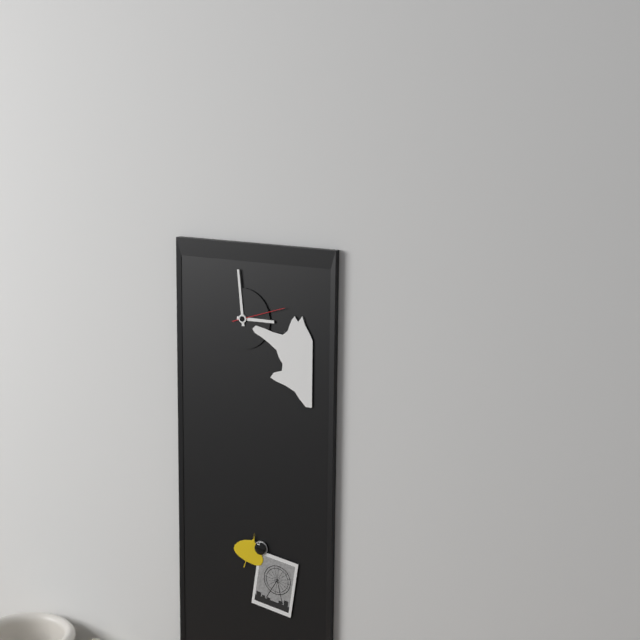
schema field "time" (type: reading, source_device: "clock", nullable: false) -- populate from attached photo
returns 2:59:12
